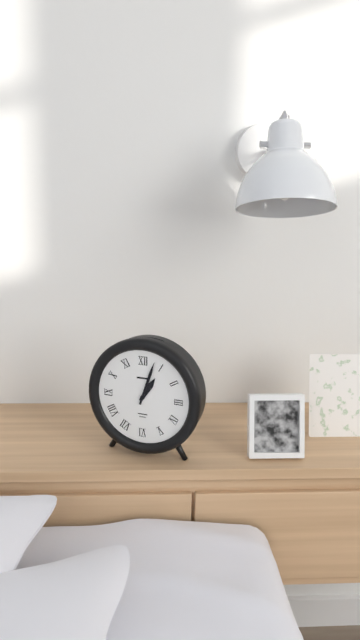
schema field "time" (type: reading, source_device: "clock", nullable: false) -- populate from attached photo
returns 1:03
